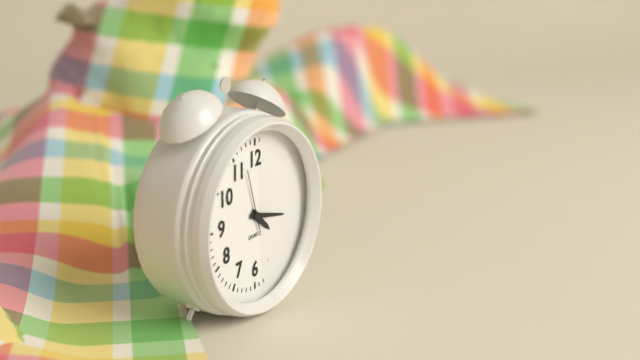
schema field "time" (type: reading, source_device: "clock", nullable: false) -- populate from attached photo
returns 4:17:57
